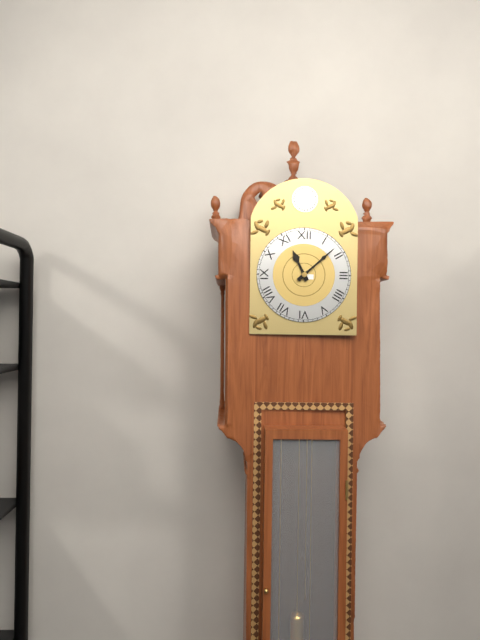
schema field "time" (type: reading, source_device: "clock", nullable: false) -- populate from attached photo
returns 11:08
